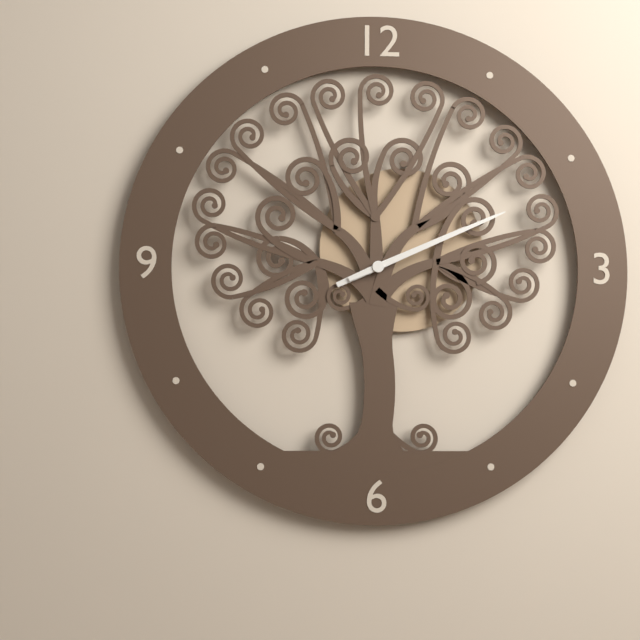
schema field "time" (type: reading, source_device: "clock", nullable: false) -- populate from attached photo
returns 2:11
